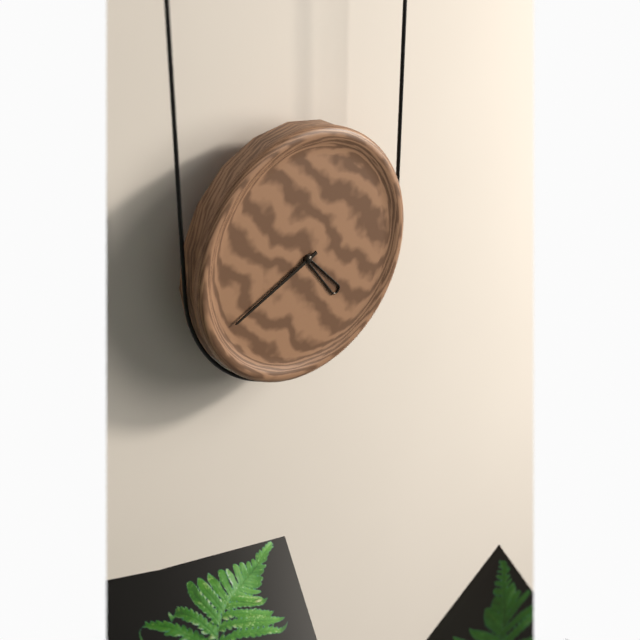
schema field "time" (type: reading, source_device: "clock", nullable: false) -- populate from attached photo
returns 4:41
